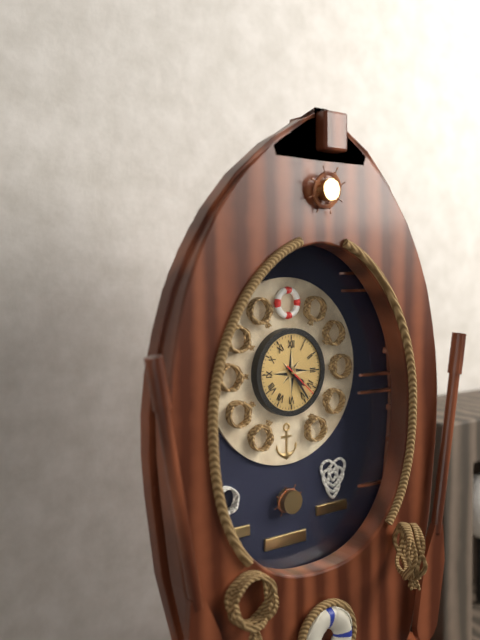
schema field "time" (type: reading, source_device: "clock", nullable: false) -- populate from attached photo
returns 4:24
